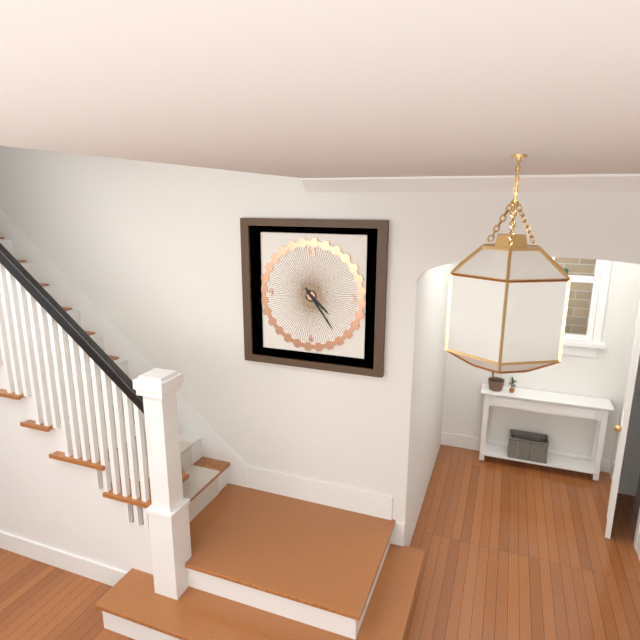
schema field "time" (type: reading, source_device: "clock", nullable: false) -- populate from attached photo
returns 4:24
